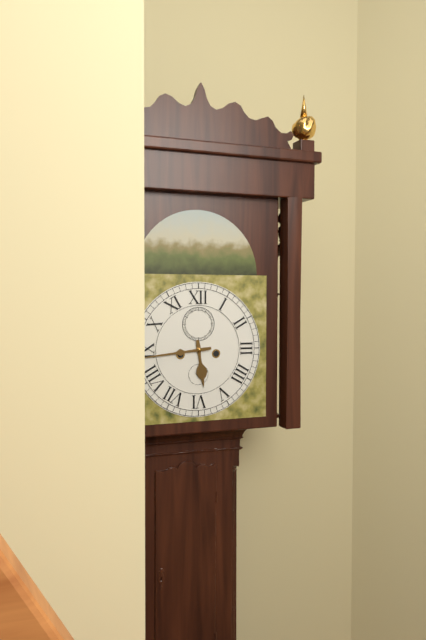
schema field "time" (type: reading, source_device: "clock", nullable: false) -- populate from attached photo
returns 5:44
